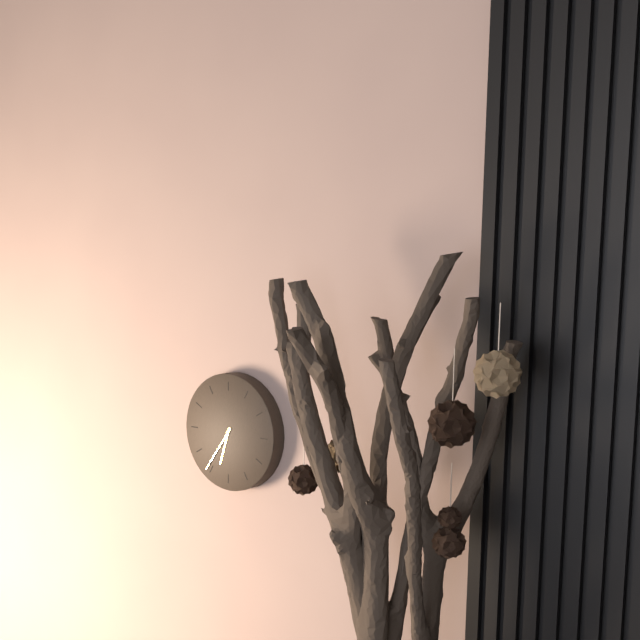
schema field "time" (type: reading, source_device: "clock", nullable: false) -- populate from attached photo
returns 6:36
